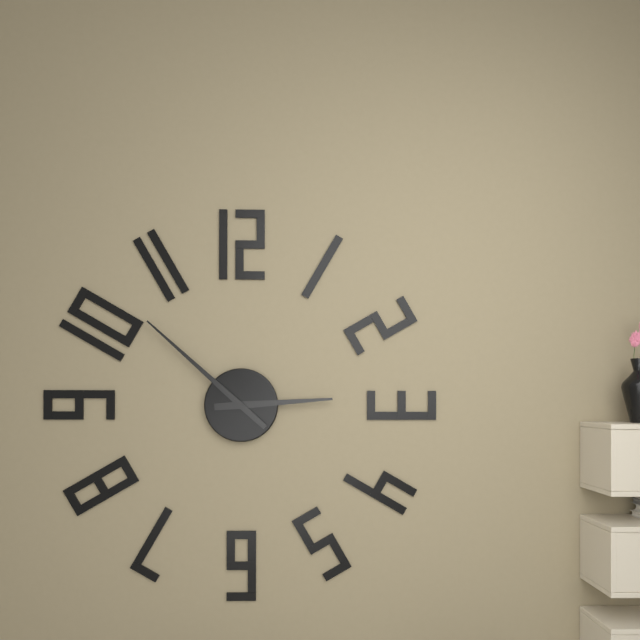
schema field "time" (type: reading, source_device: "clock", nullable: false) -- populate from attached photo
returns 2:52
